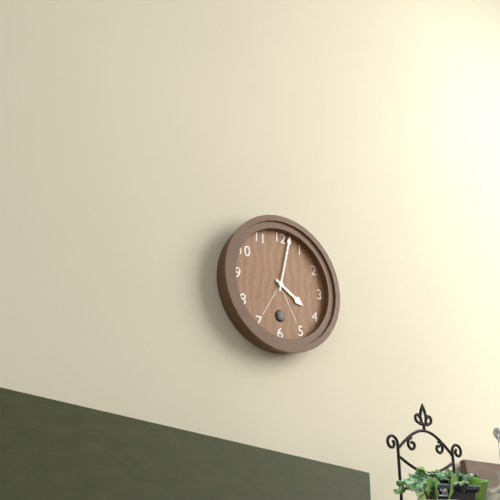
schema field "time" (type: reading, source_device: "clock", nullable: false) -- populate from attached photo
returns 4:02
